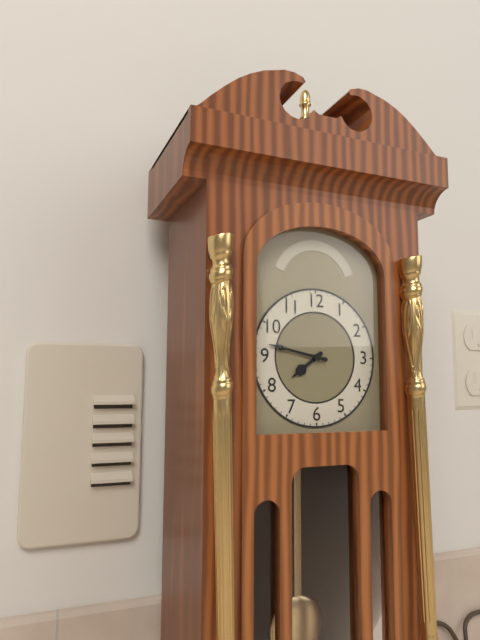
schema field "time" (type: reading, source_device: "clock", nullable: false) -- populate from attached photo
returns 7:47
